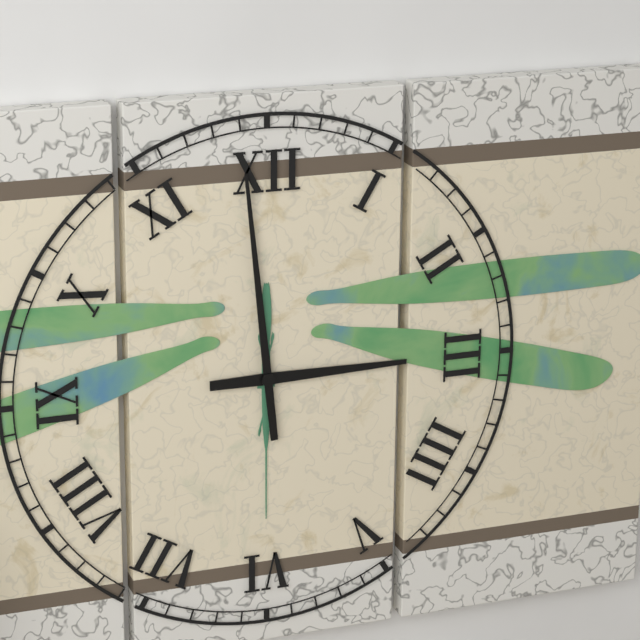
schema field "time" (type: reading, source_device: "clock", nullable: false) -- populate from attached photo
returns 2:59
